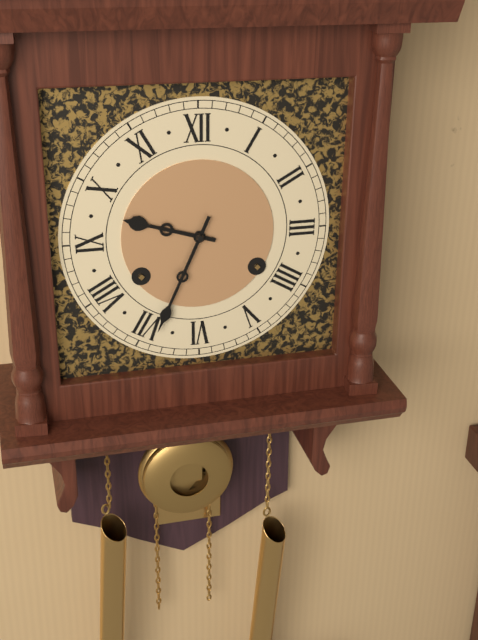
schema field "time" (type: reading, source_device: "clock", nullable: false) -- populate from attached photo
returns 9:34
